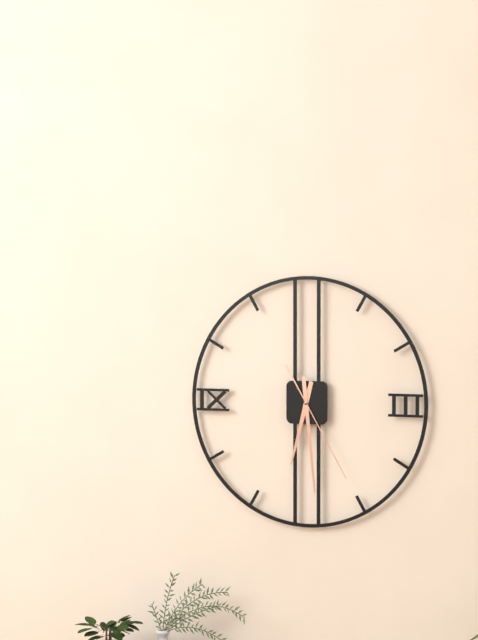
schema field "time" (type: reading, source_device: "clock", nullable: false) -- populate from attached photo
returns 6:29:25
